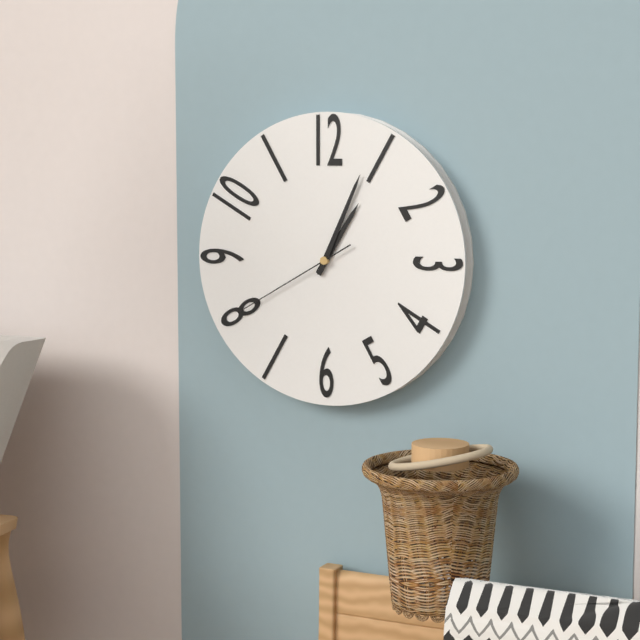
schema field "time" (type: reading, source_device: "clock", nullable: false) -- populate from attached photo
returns 1:04:40
